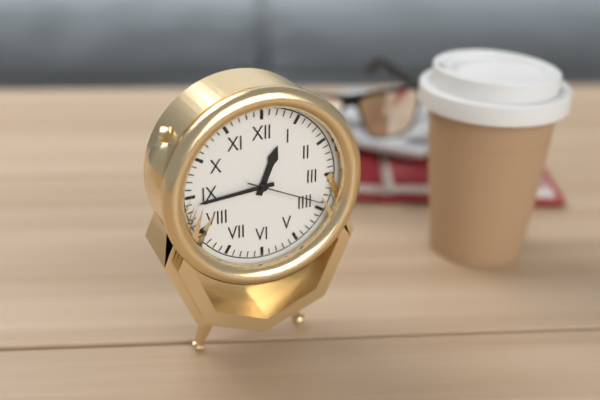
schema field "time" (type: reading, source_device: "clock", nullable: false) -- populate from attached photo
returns 12:44:19
